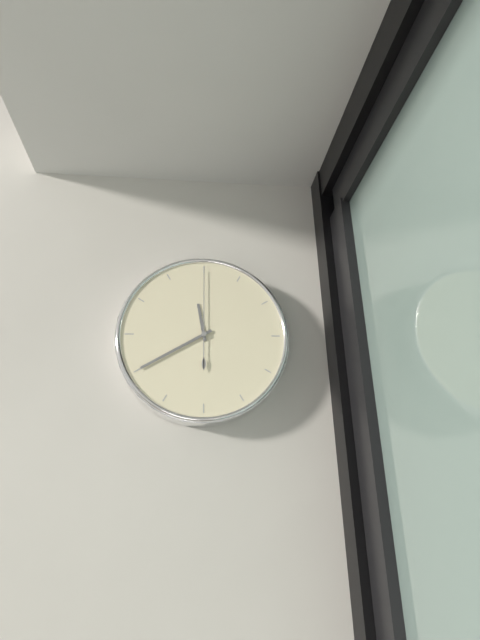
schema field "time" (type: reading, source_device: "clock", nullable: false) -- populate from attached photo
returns 11:40:00
